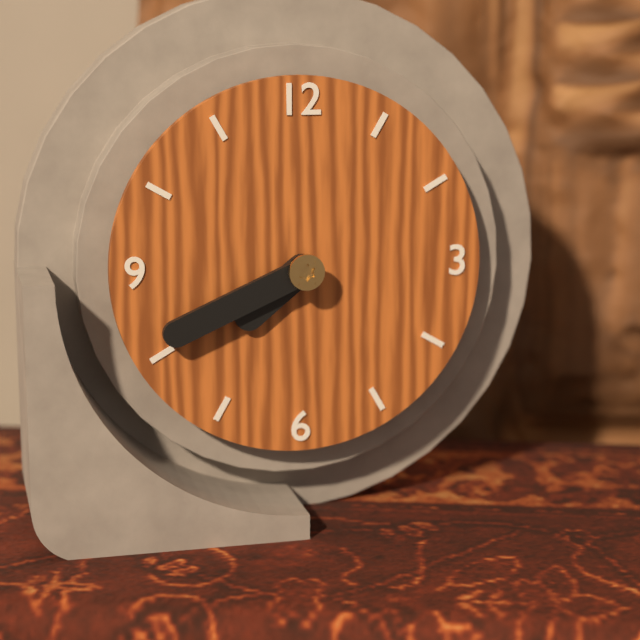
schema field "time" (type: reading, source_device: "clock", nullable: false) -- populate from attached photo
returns 7:41
